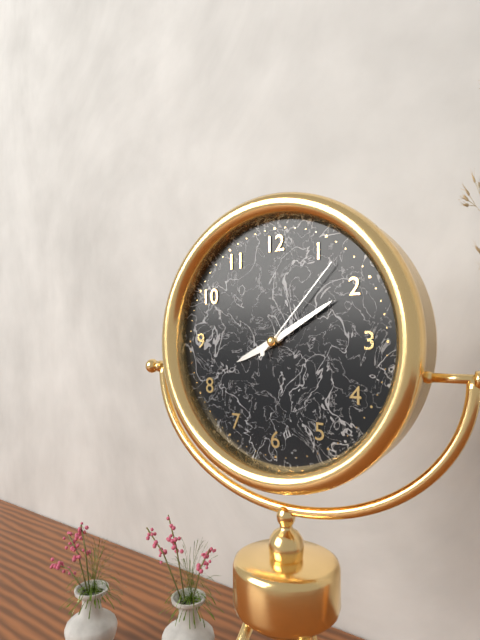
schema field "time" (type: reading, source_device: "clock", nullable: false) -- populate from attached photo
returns 8:10:07
